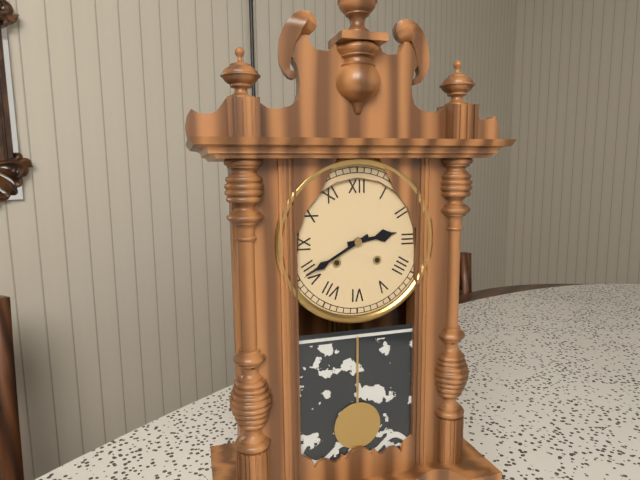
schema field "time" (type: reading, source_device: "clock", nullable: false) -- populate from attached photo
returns 2:40
